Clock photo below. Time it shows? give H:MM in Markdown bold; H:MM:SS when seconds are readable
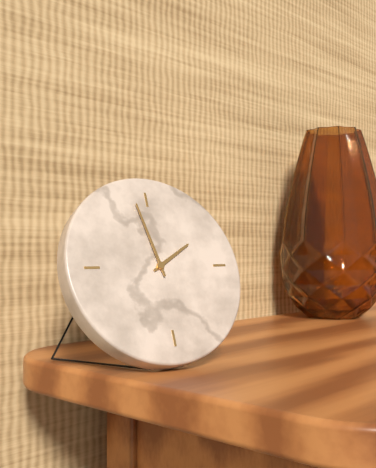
**1:58**
